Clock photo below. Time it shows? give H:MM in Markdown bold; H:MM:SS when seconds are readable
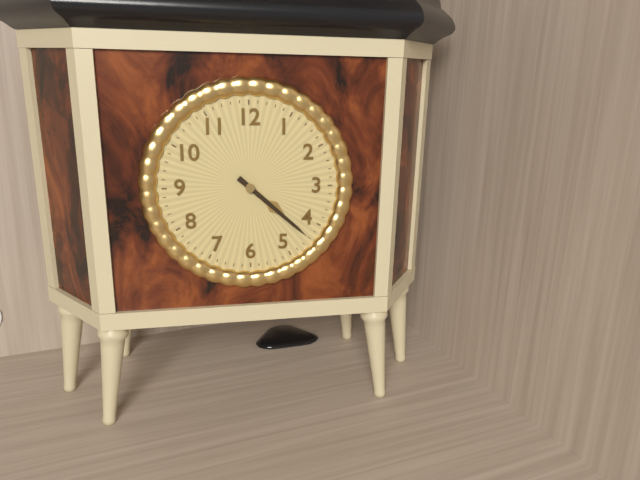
**4:22**
